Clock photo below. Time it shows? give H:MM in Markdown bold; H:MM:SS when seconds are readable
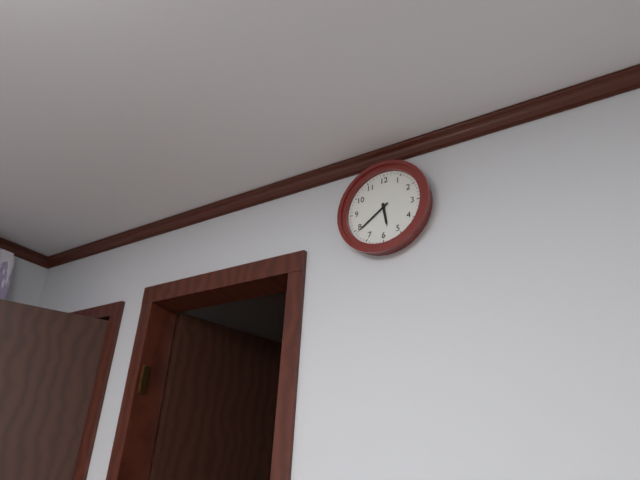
**5:39**
